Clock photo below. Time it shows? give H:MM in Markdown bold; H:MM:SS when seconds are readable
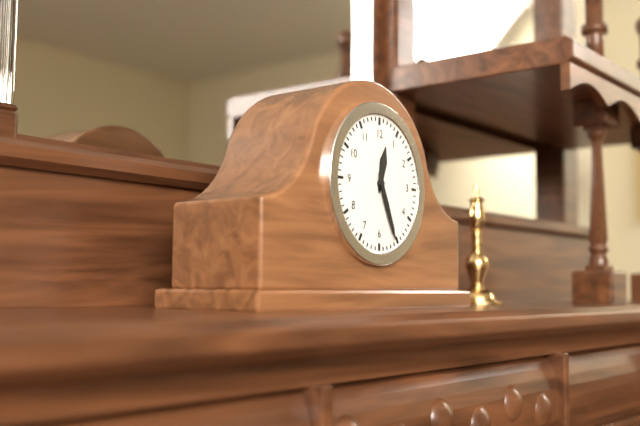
**12:26**
